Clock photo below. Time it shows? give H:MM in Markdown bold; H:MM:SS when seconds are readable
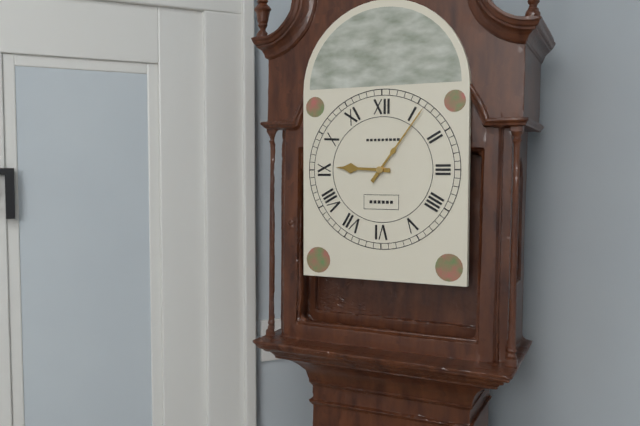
**9:06**
